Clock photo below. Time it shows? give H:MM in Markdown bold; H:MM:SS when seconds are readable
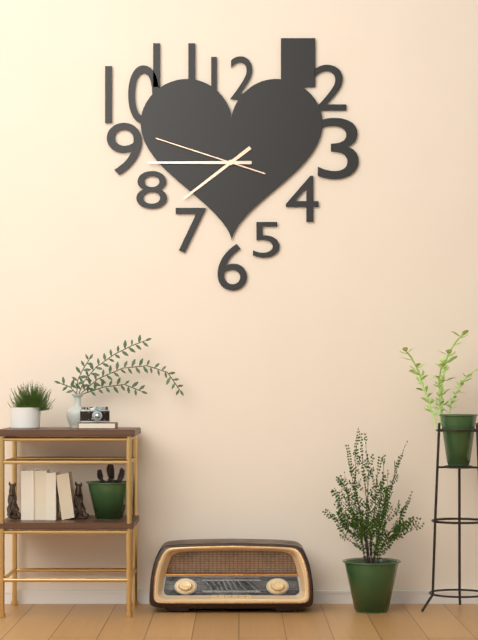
**7:45:48**
